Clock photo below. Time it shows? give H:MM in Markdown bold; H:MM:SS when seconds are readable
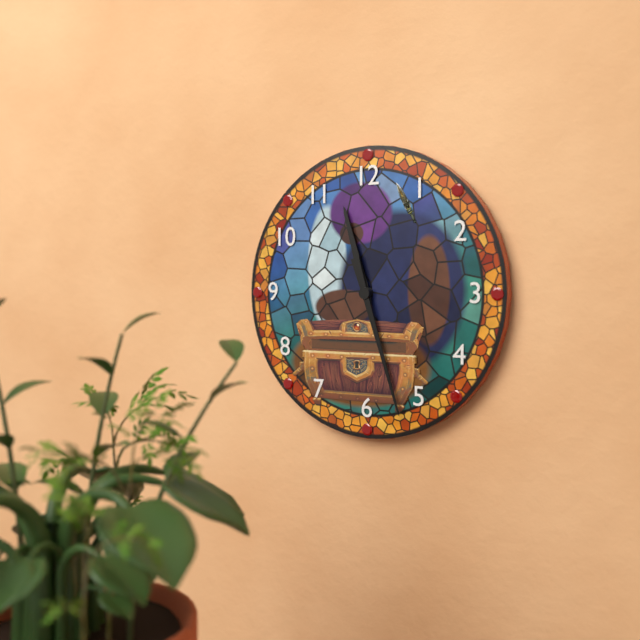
**11:27**
